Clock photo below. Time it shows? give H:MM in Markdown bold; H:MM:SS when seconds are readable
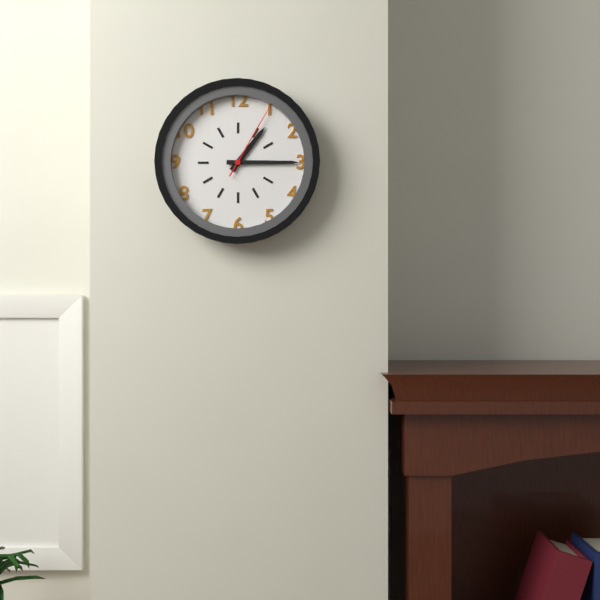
**1:15:05**
